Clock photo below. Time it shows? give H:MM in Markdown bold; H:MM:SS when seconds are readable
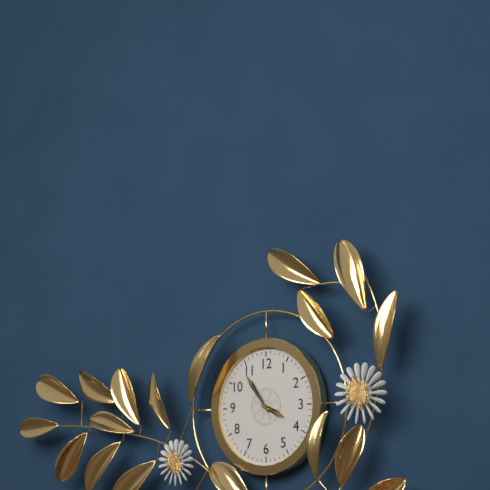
**3:54**
